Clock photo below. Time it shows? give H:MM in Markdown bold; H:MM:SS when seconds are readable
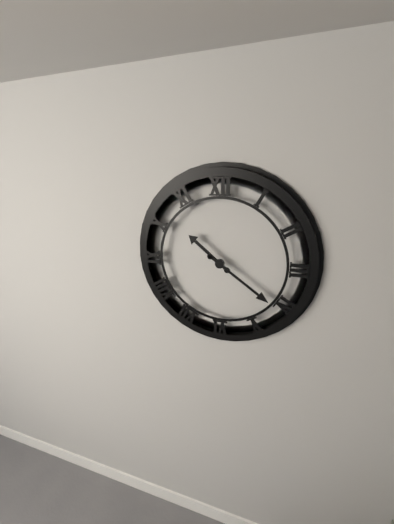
**10:21**
